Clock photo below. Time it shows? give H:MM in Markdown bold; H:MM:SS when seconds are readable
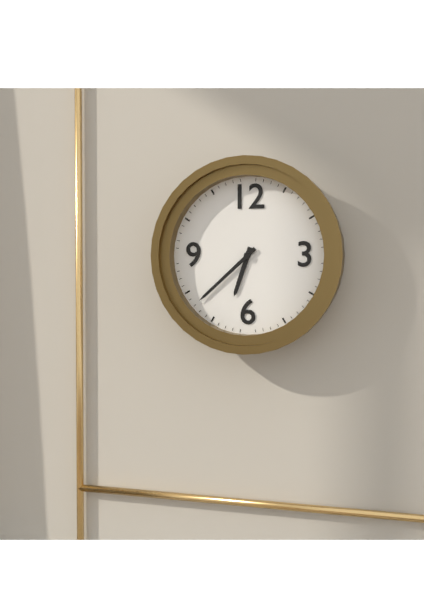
**6:38**
